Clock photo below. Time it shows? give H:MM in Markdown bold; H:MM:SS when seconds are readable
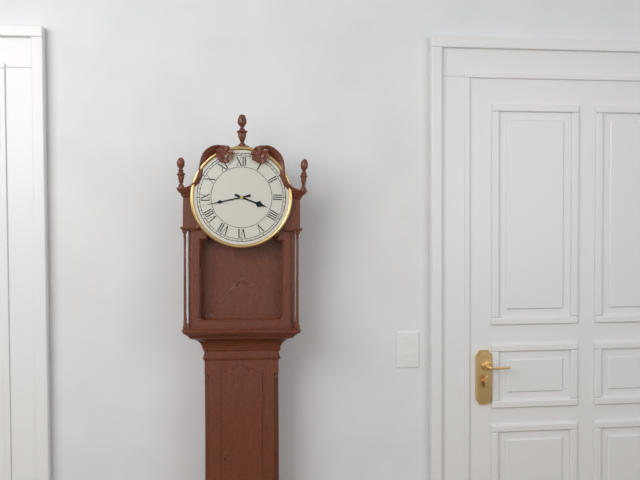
**3:43**
